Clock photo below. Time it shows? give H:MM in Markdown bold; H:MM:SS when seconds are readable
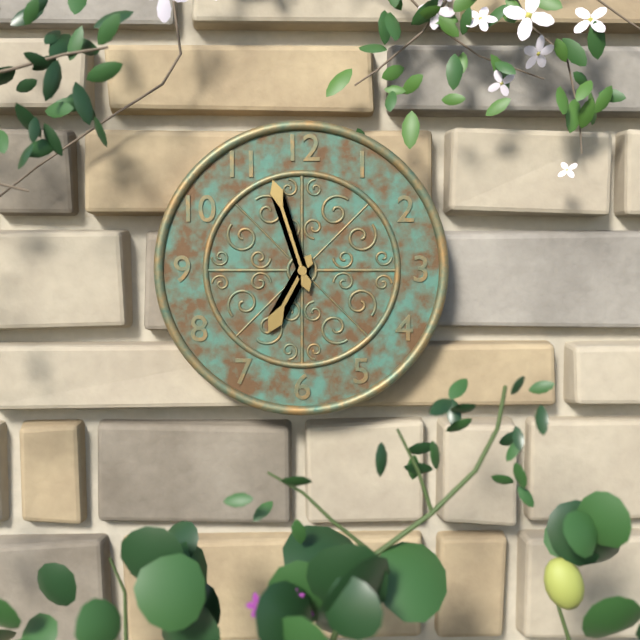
**6:57**
